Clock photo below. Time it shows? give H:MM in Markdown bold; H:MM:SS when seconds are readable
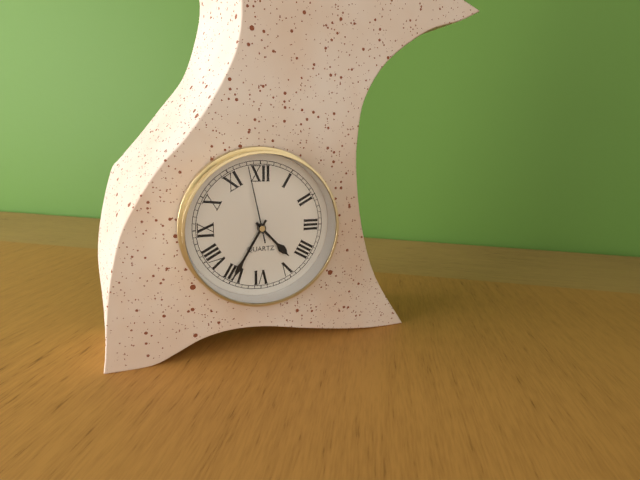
**4:35:58**
